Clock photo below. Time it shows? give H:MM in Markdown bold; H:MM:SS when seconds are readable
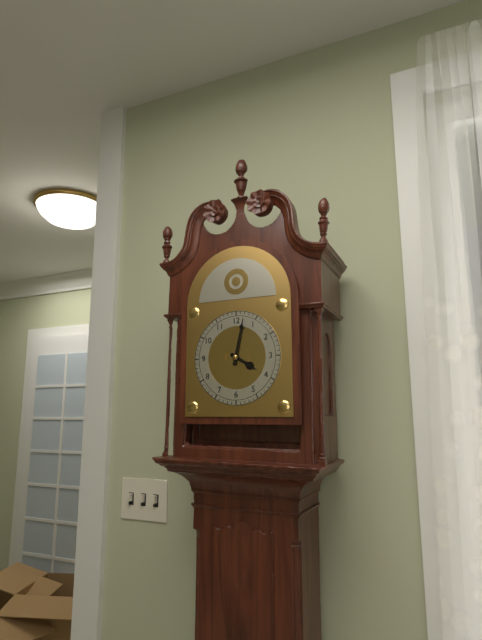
**4:02**
